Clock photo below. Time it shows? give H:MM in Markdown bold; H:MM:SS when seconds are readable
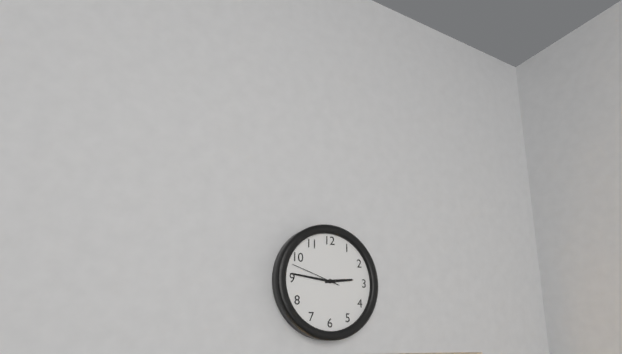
**2:46:48**
